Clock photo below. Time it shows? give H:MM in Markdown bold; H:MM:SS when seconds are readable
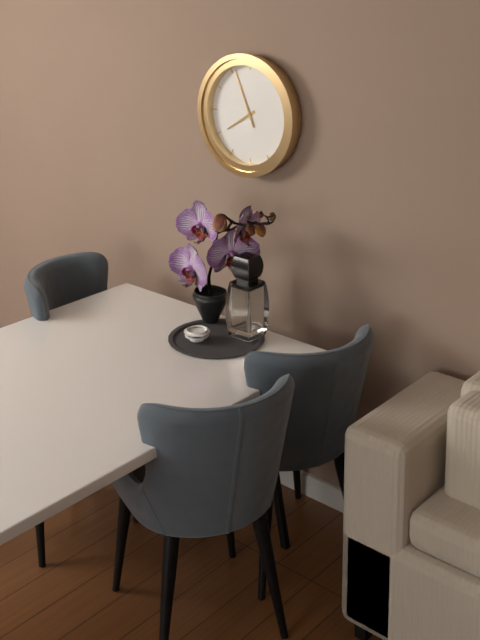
**7:56**
